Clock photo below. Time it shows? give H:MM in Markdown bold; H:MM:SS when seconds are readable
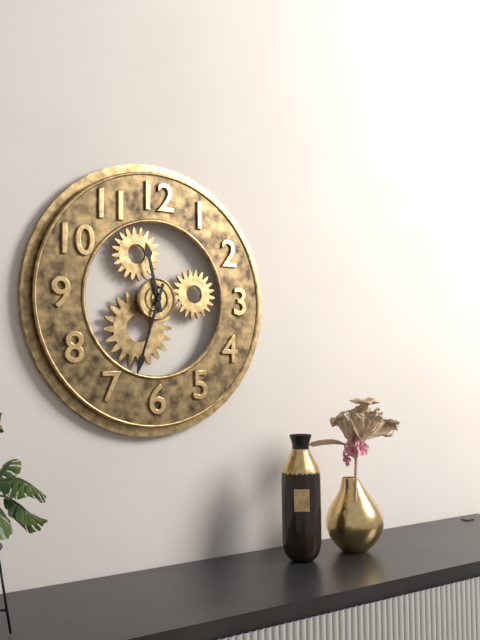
**11:33**
